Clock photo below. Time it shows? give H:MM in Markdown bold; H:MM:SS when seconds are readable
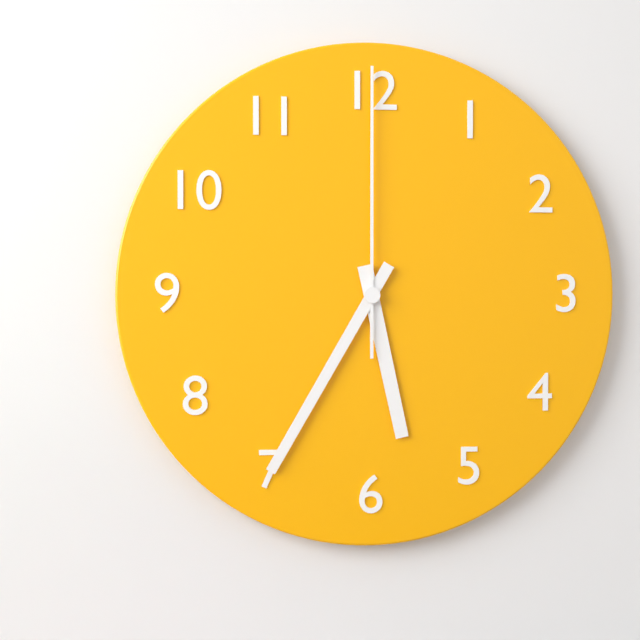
**5:35:00**
